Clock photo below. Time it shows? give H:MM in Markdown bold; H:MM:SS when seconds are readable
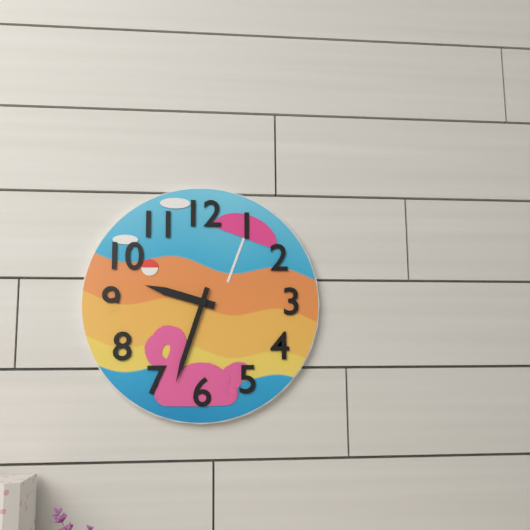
**9:33**
